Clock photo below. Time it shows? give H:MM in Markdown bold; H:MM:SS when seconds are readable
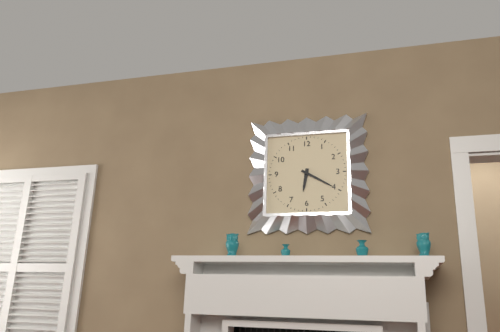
**6:20**
